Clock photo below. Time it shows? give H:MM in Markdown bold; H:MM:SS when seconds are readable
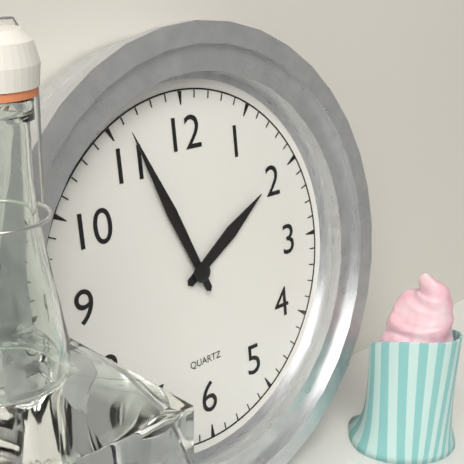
**1:56**
